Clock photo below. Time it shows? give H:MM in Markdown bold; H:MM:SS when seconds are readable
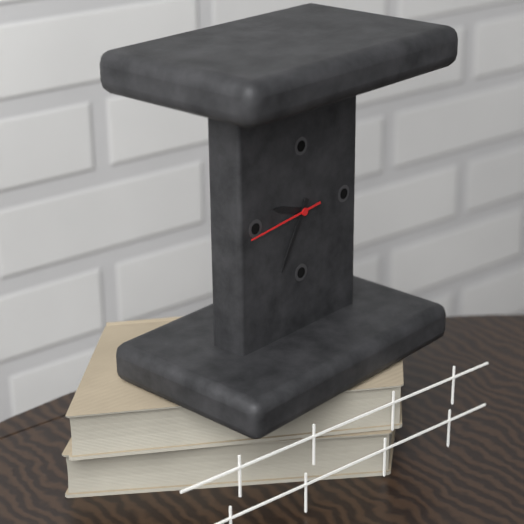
**9:35:44**
